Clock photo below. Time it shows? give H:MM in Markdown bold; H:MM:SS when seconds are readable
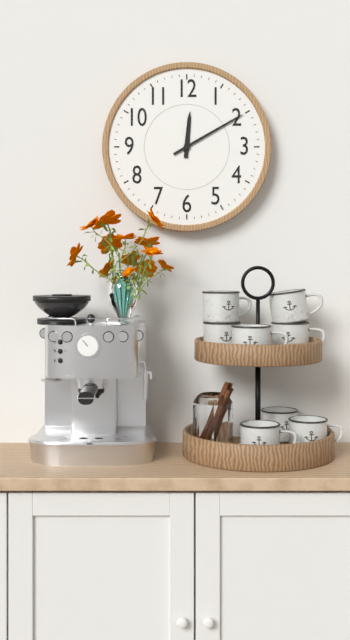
**12:10**
